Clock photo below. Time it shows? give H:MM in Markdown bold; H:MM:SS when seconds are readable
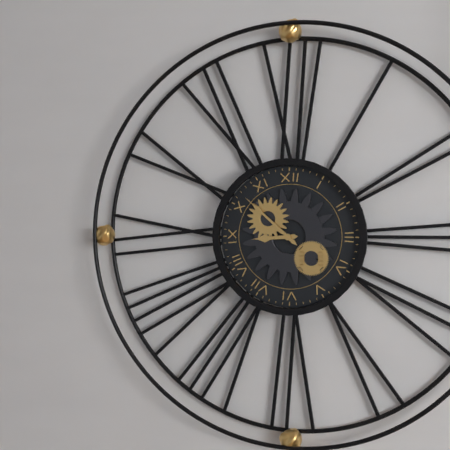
**8:52**
